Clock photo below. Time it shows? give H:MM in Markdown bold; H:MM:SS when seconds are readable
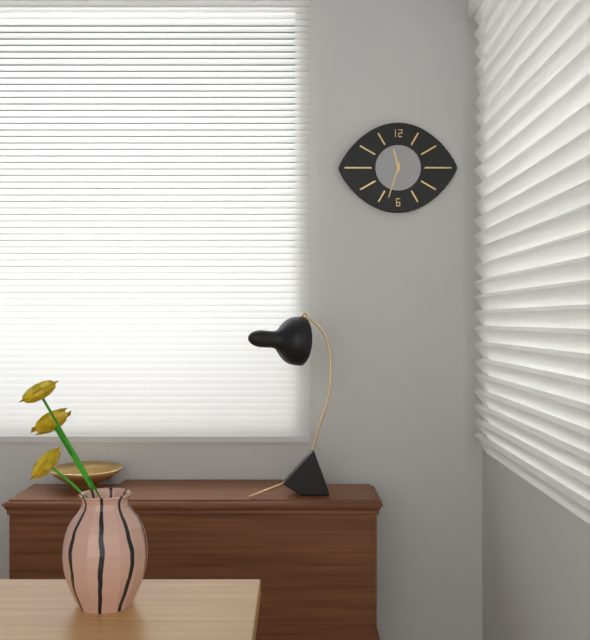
**11:33**
